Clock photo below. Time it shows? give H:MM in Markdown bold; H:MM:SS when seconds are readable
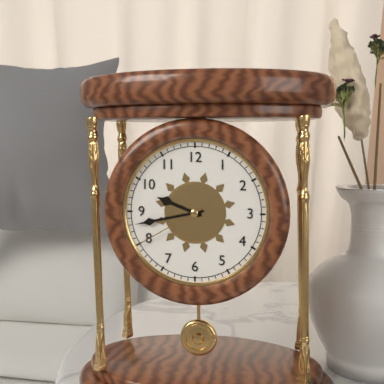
**9:43:40**
